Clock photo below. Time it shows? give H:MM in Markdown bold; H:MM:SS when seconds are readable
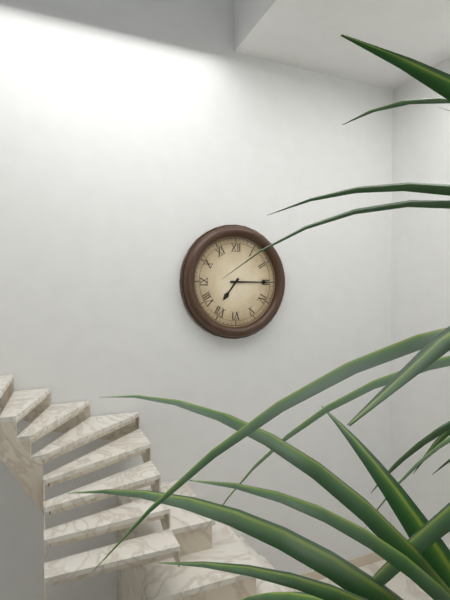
**7:15**
